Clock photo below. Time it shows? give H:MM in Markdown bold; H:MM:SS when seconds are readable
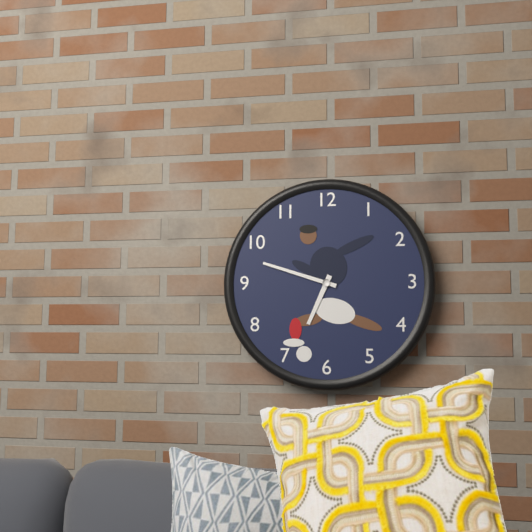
**6:48**
